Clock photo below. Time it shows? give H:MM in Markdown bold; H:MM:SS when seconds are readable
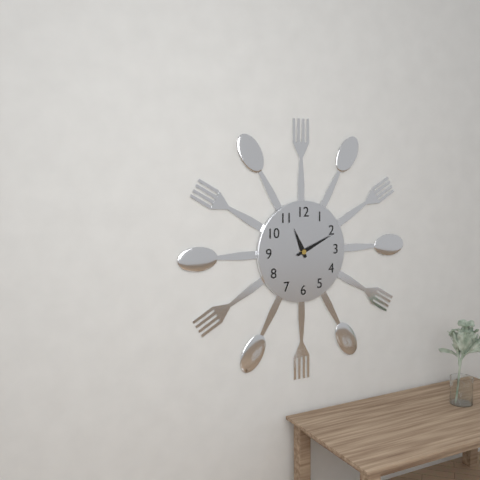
**11:11**
